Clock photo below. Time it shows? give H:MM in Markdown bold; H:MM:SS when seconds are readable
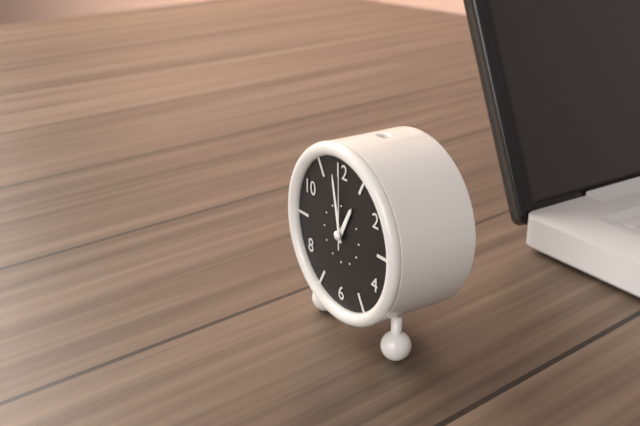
**12:58:00**
